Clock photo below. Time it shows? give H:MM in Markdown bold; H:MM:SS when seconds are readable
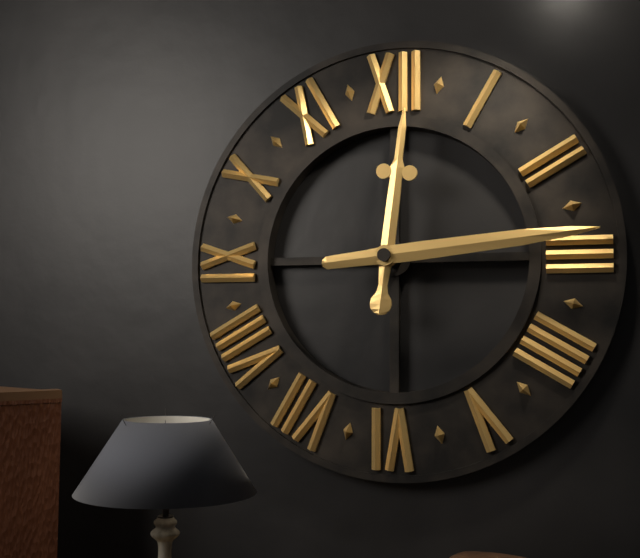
**12:14**
